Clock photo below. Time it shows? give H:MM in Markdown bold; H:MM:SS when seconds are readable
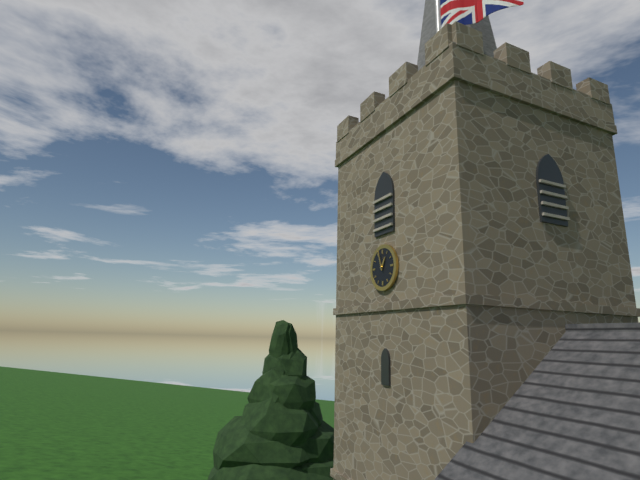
**12:57**
